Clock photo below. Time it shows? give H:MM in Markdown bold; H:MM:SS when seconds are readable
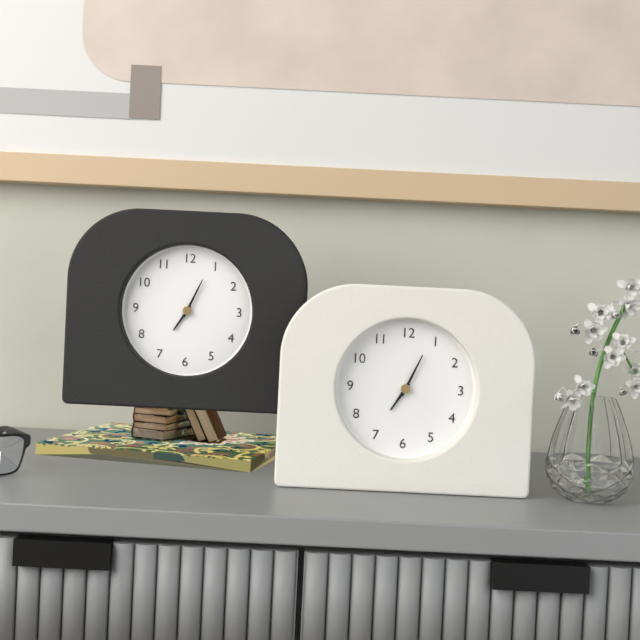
**7:04**
